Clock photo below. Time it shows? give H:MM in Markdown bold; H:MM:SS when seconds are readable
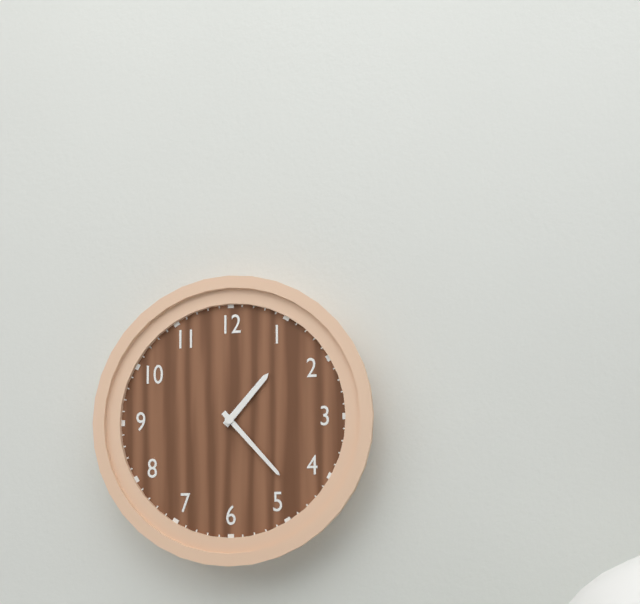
**1:23**
